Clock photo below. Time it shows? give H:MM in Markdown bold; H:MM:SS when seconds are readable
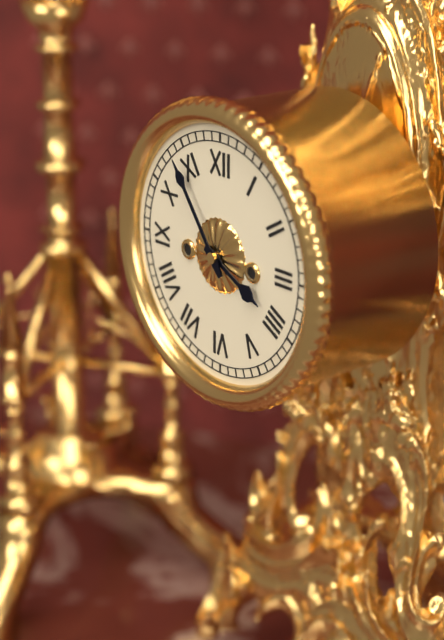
**3:54**
